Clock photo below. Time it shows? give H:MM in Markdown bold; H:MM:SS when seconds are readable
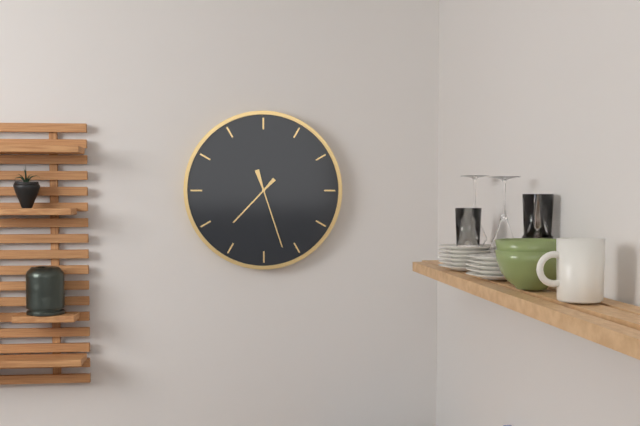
**7:27**
